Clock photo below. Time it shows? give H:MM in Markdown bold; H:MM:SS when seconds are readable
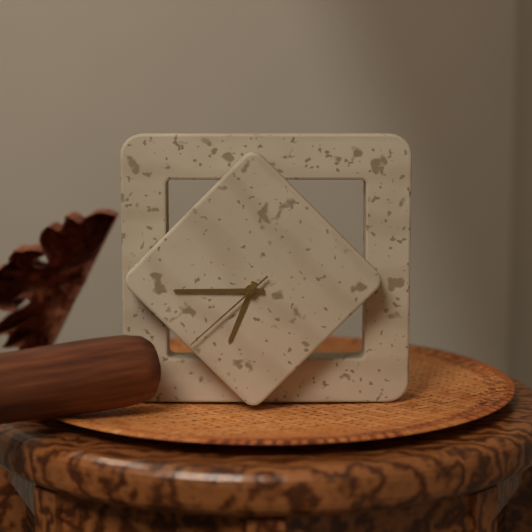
**6:45:38**
